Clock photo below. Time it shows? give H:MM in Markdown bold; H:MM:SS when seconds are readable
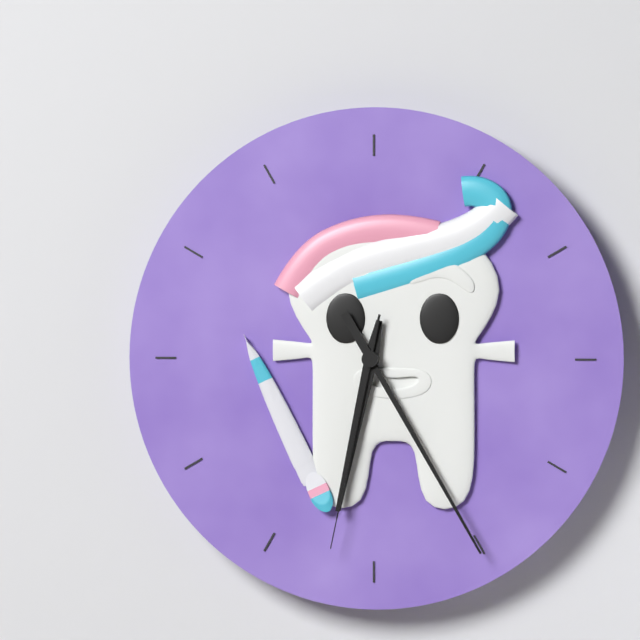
**6:25:32**
